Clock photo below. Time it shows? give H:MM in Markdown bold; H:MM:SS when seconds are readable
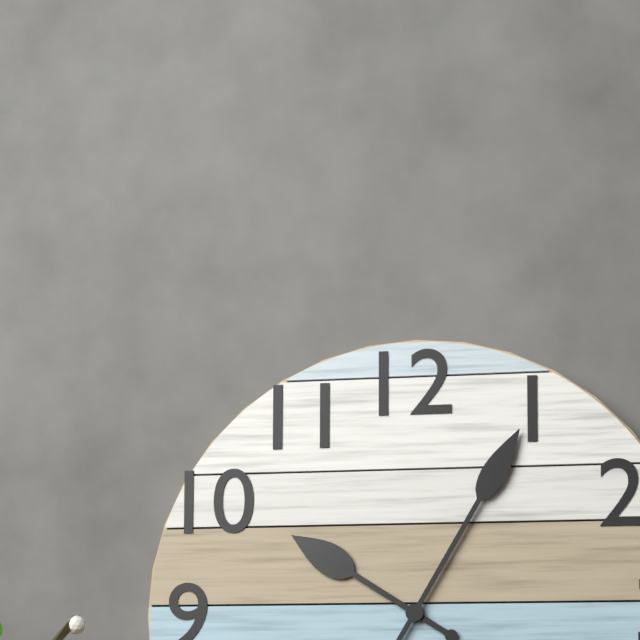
**10:05**
